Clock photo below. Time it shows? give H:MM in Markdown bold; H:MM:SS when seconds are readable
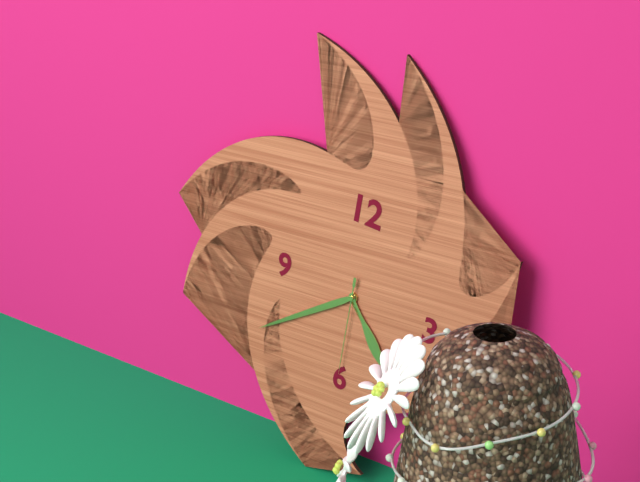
**4:39:30**
